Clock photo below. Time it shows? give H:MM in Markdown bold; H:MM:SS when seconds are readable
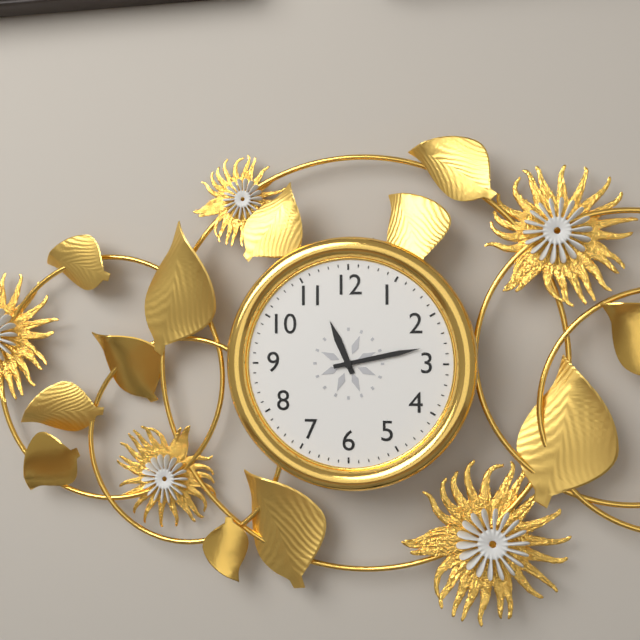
**11:13**
